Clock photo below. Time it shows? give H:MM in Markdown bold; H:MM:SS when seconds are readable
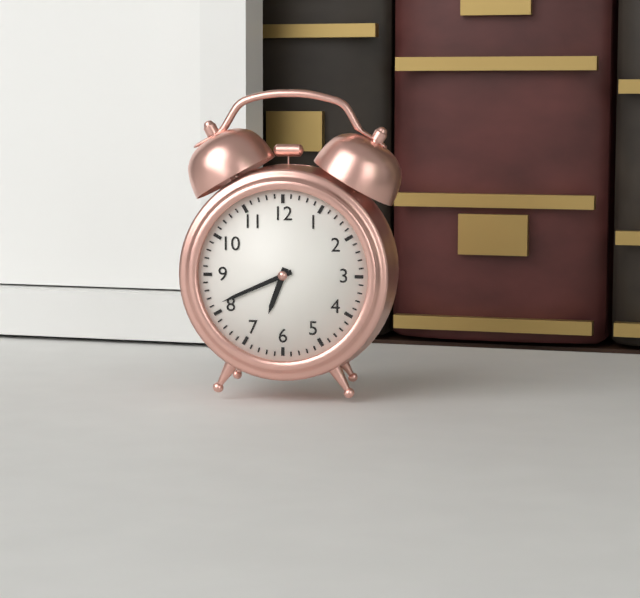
**6:41**
